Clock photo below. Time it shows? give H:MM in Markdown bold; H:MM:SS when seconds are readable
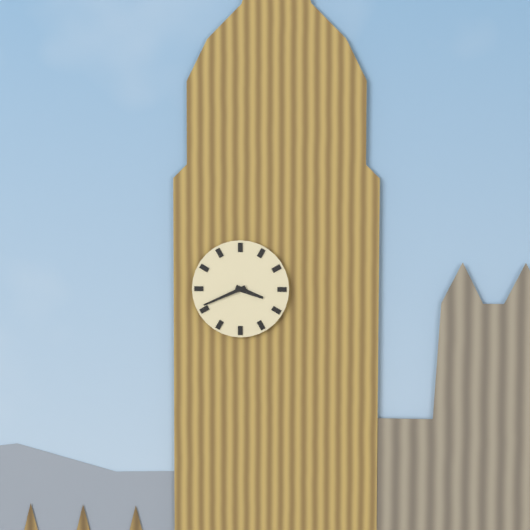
**3:41**
